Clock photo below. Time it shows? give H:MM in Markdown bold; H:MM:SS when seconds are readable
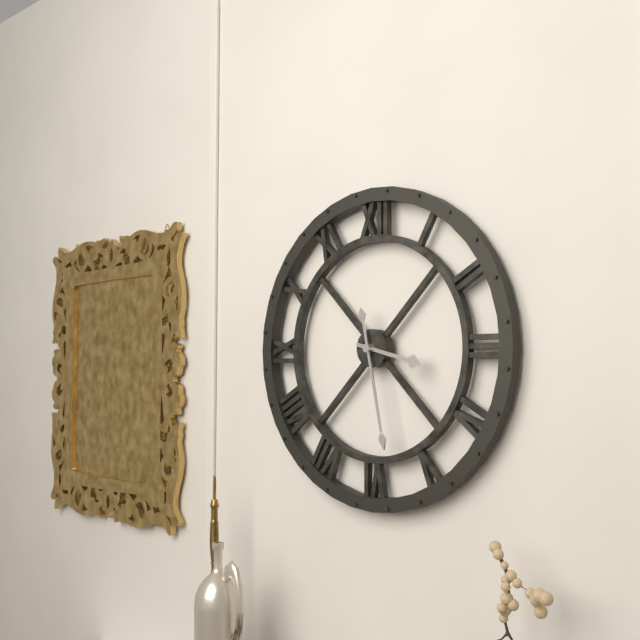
**3:28**
